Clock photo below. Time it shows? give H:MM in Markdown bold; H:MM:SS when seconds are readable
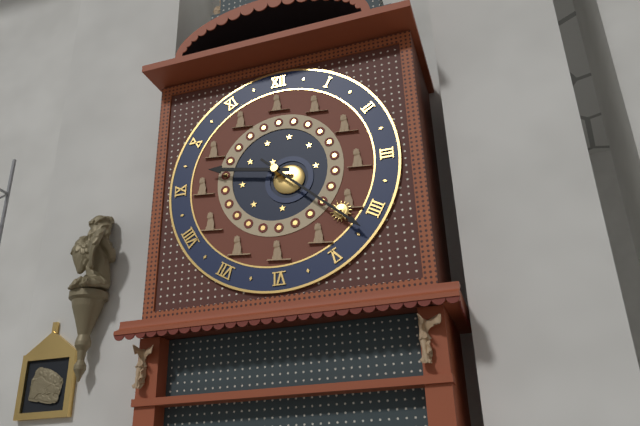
**9:22**
